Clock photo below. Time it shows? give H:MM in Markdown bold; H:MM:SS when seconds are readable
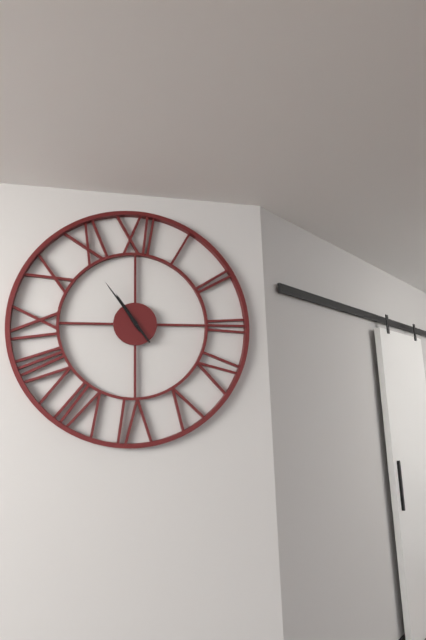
**10:54**
